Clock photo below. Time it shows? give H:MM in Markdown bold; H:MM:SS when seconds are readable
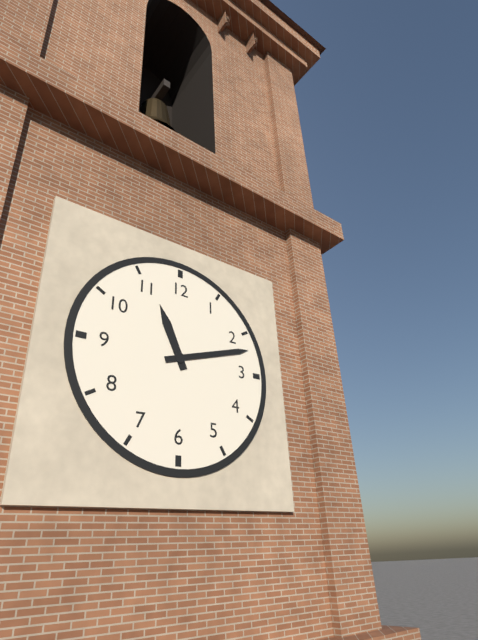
**11:12**
